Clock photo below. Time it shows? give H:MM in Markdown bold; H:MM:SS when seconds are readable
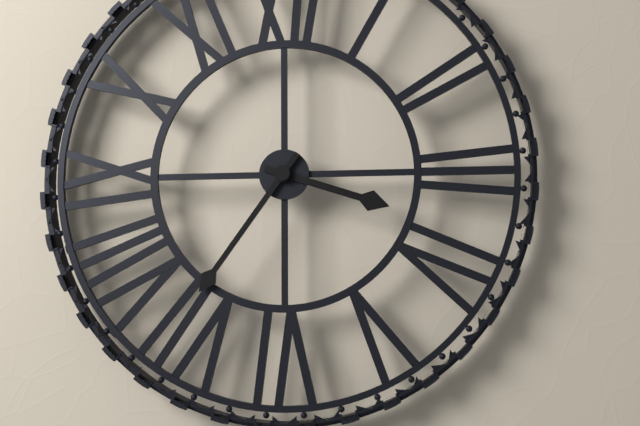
**3:36**
